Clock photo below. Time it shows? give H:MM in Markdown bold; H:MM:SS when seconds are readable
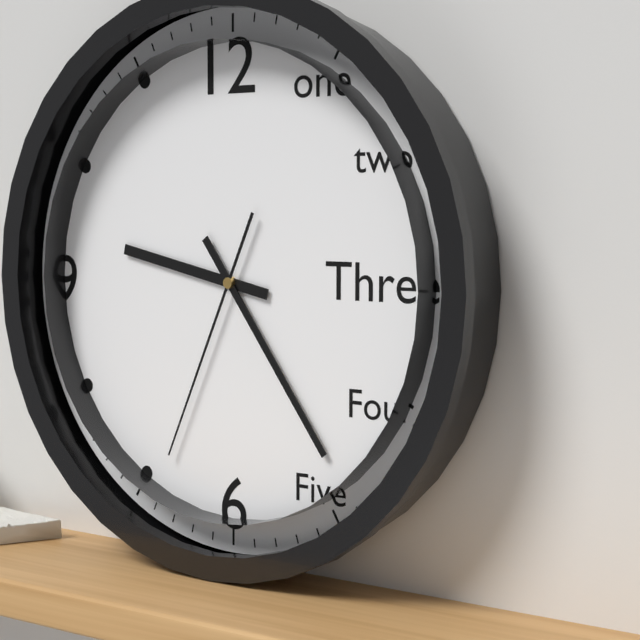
**9:24:34**
